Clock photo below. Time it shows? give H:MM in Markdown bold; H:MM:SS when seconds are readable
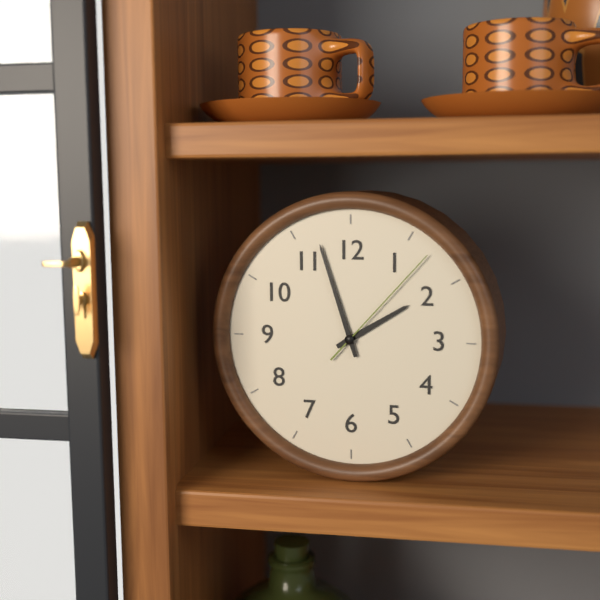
**1:57:07**
